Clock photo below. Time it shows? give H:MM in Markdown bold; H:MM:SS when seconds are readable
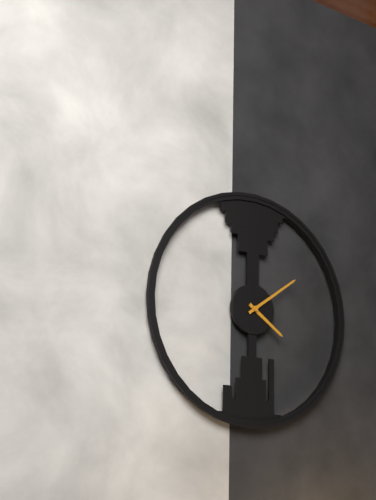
**4:09**
